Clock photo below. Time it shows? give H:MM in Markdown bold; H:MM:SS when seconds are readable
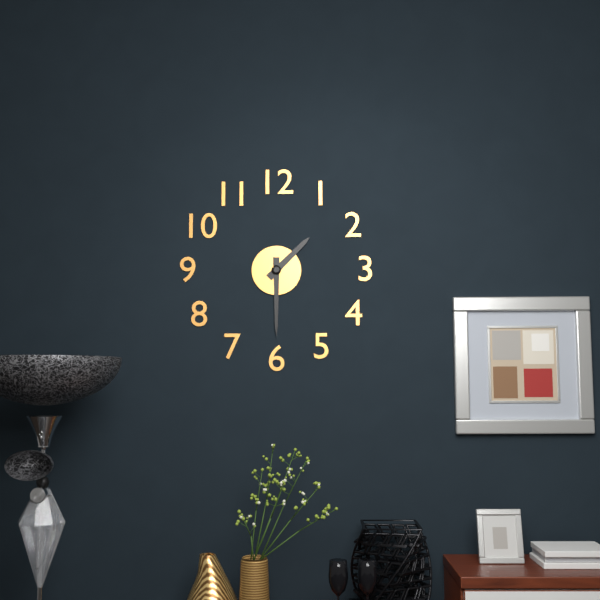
**1:30**
